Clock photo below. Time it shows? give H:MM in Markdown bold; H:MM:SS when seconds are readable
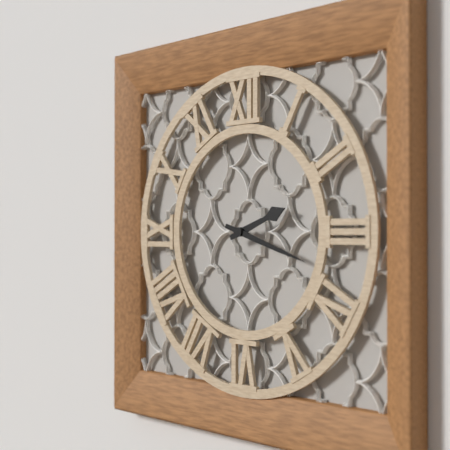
**2:18**
